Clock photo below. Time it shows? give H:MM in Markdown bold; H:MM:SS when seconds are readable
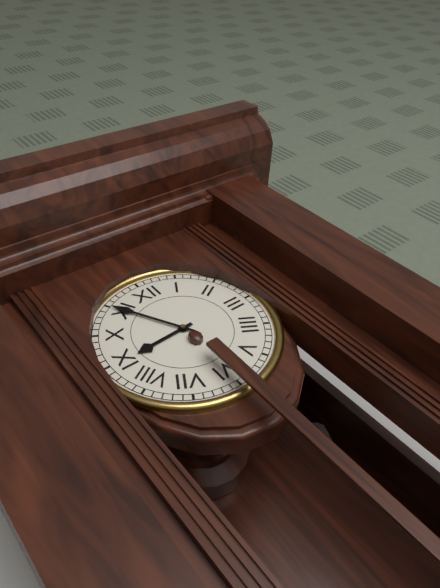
**8:55**
